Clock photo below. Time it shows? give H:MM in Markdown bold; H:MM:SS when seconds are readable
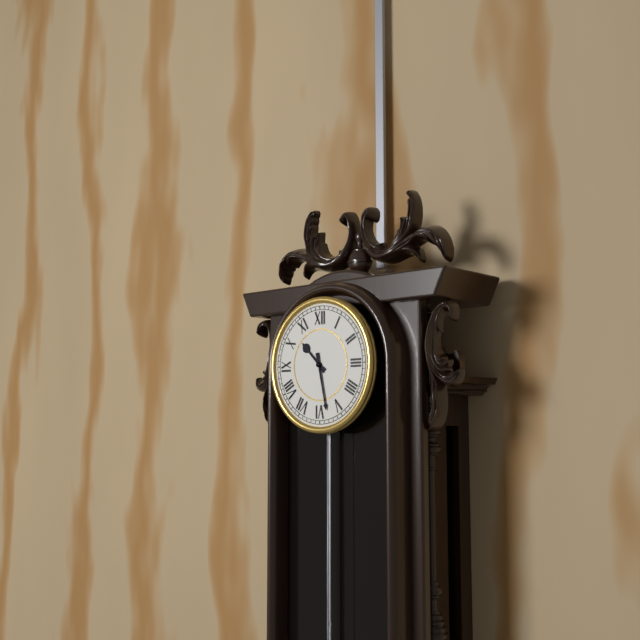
**10:28**
